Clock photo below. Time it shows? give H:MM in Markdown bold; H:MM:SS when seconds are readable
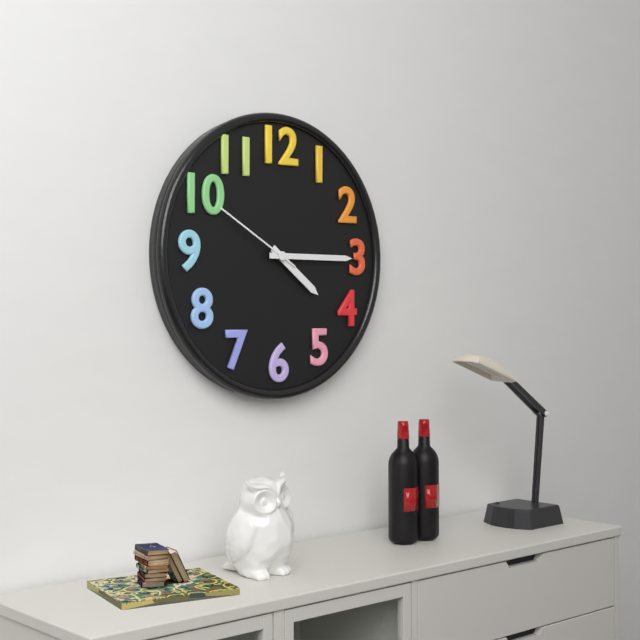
**4:15:50**
